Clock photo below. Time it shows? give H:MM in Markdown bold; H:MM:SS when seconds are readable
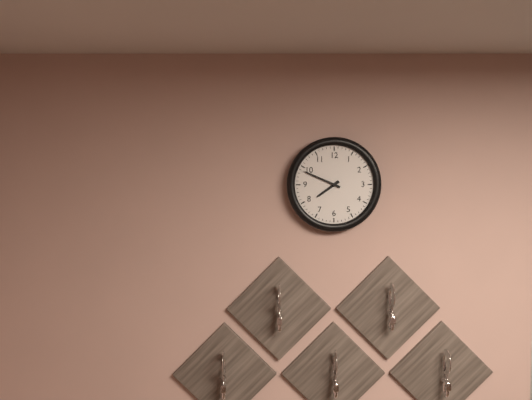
**7:49**
